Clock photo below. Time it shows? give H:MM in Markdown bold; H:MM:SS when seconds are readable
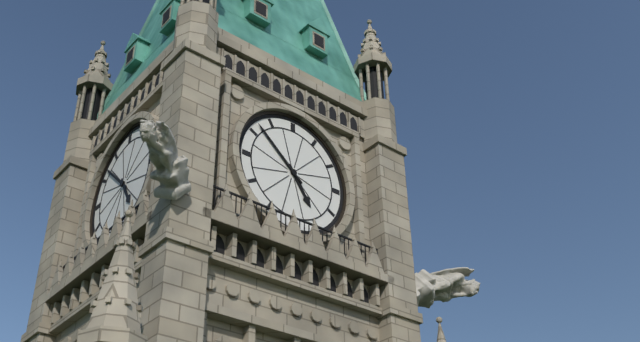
**4:52**
